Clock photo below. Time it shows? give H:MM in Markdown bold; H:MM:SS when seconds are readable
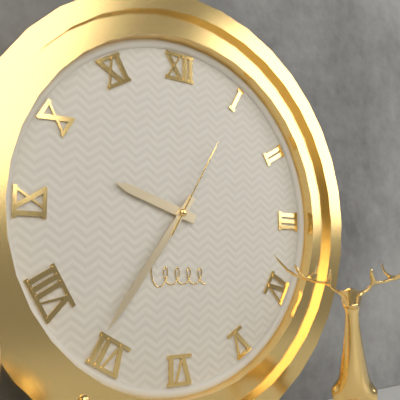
**9:36:05**
